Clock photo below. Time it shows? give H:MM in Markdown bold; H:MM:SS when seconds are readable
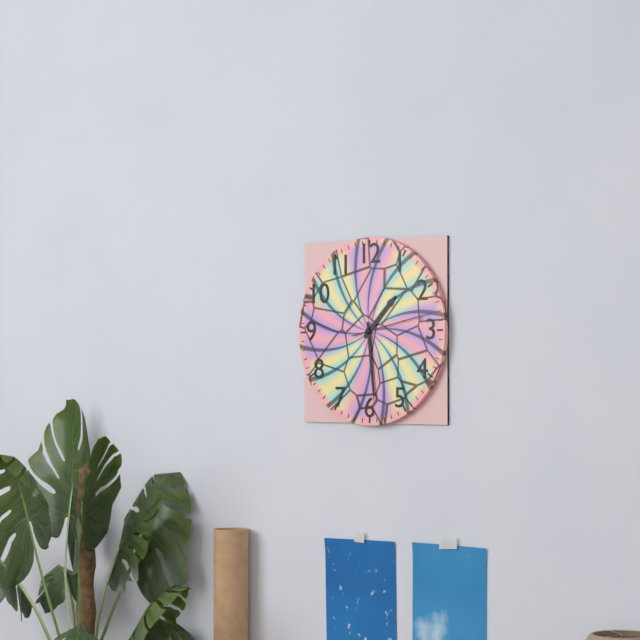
**1:29:13**
